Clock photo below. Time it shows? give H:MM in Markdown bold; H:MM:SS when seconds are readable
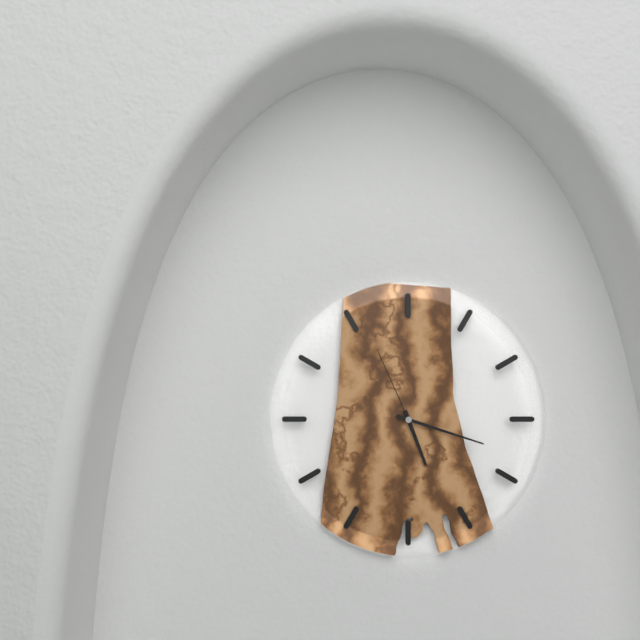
**5:18:56**
